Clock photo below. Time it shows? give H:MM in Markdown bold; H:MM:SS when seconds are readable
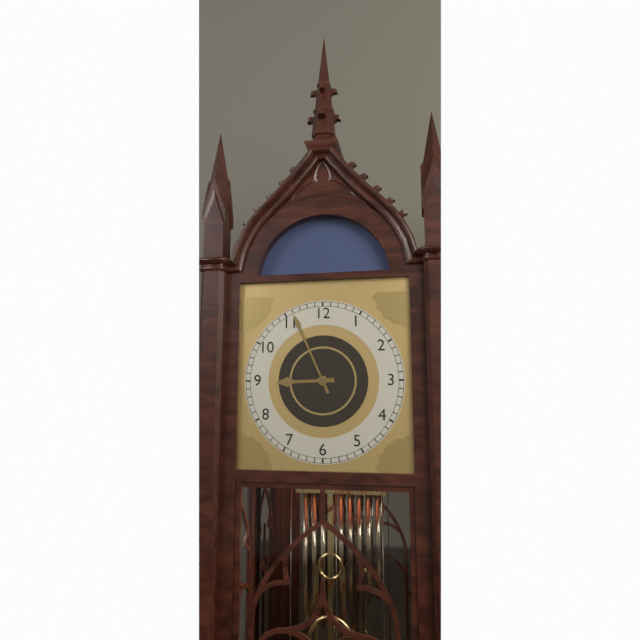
**8:56**
